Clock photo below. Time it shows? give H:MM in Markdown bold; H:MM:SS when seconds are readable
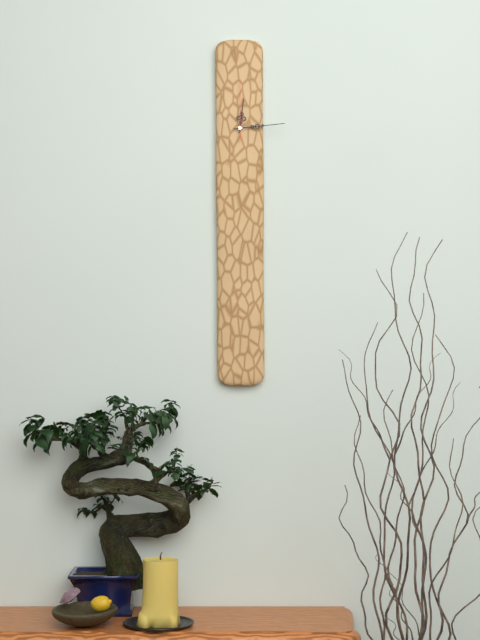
**12:14:00**
